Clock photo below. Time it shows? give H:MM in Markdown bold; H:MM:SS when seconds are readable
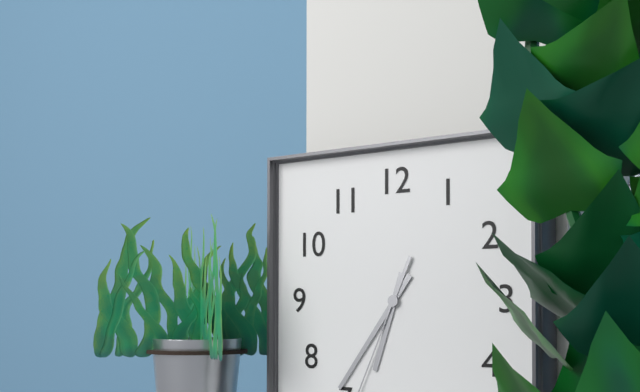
**6:36**
